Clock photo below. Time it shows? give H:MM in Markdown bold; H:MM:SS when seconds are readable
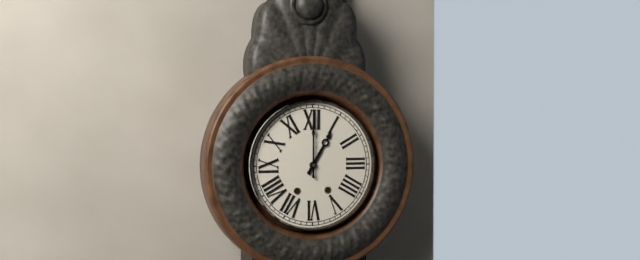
**1:00**
